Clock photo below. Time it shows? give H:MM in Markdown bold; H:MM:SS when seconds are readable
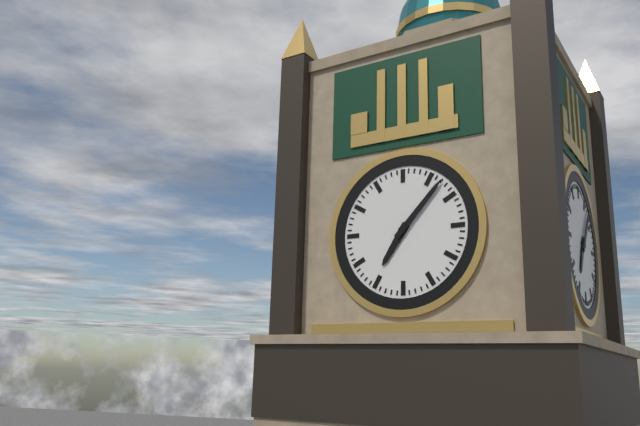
**7:07**
